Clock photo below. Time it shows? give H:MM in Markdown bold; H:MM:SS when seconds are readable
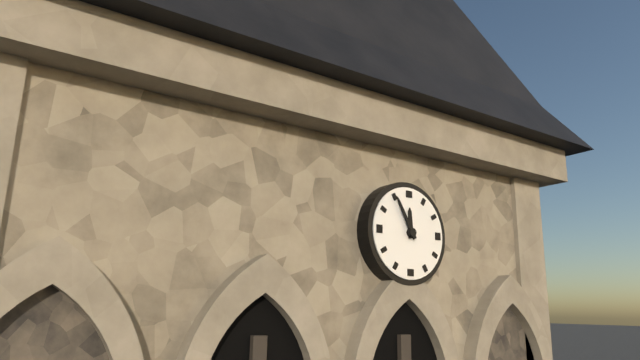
**11:55**
